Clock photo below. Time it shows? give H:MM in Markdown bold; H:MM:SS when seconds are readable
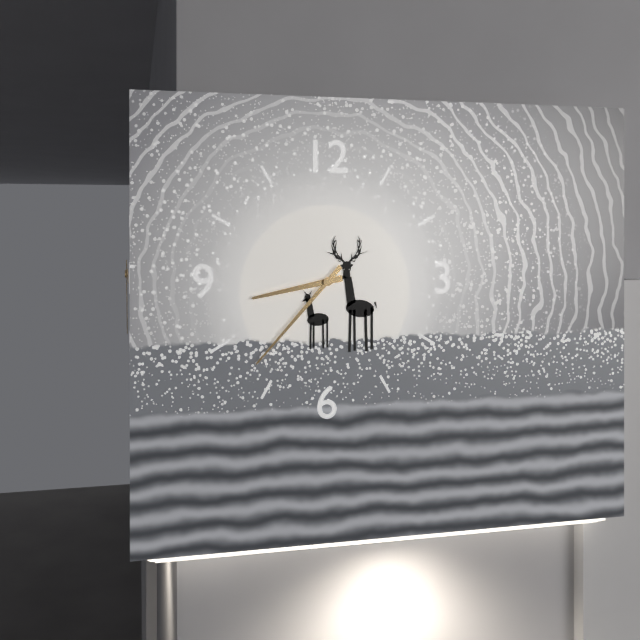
**8:37**
